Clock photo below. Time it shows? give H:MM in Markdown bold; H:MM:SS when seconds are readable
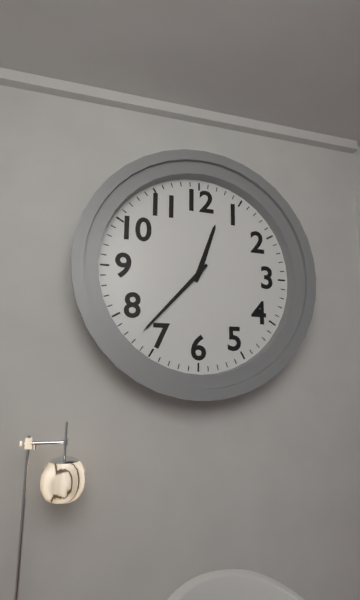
**12:37**
